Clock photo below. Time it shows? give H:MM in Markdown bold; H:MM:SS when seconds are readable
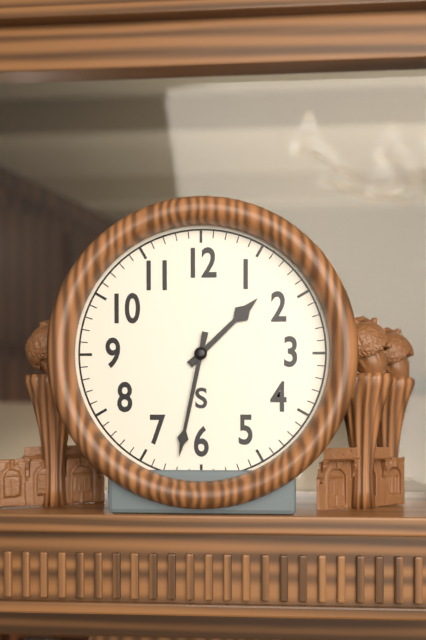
**1:32**
